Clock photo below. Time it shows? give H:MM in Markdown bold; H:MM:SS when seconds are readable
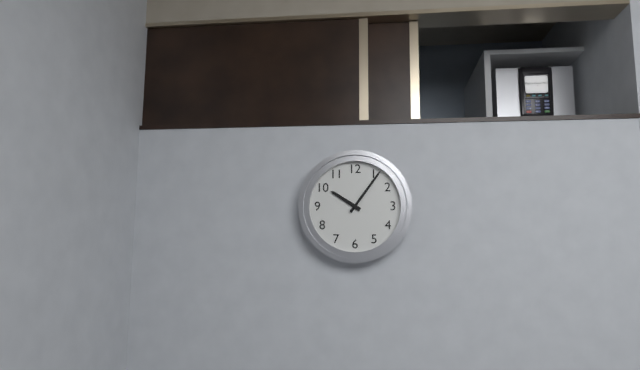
**10:06**
